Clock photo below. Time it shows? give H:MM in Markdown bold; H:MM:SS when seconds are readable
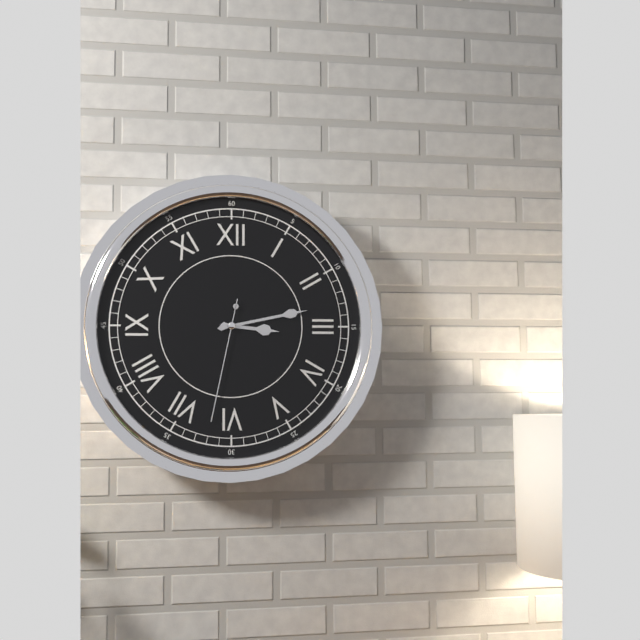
**3:13:32**
